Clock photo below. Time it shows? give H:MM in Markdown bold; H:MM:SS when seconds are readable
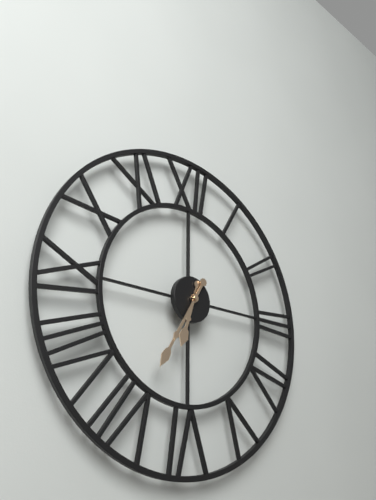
**6:35**
